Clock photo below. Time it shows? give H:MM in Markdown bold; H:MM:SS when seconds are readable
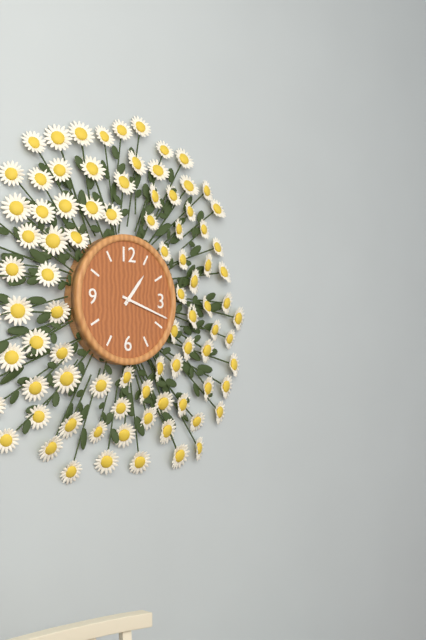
**1:18**
